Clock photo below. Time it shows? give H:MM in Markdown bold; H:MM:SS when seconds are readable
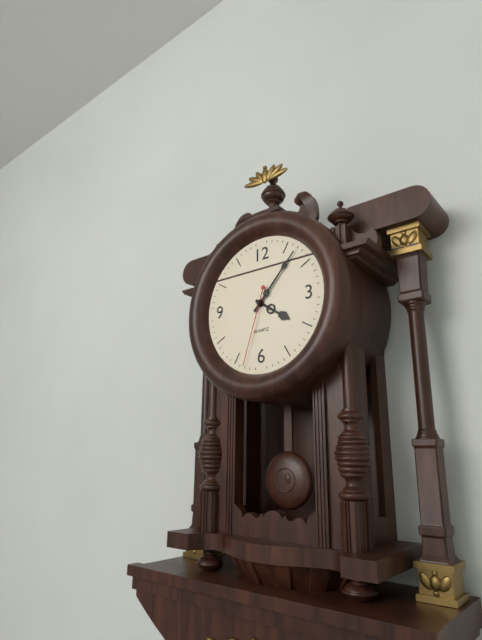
**4:07:33**
